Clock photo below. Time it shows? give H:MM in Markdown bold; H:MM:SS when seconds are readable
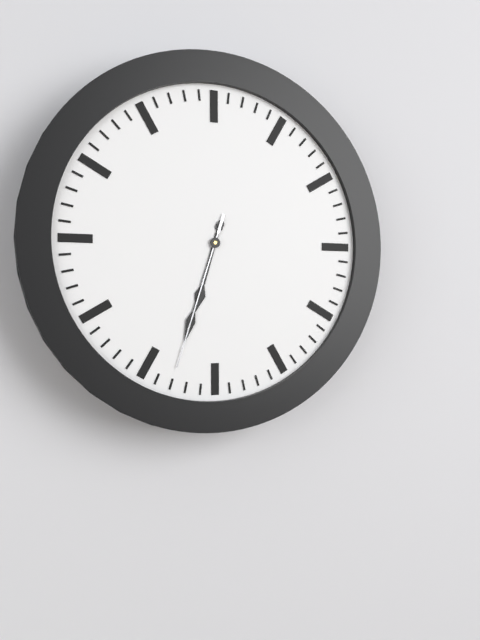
**6:33:33**
